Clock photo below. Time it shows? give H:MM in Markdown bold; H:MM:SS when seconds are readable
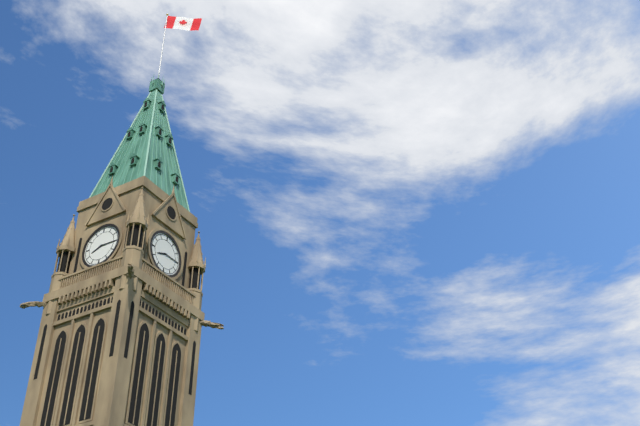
**8:15**
